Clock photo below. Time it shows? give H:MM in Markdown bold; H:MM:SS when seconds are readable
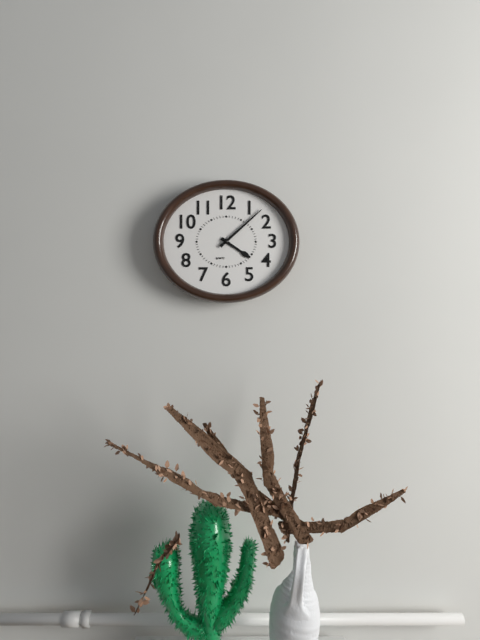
**4:08**
